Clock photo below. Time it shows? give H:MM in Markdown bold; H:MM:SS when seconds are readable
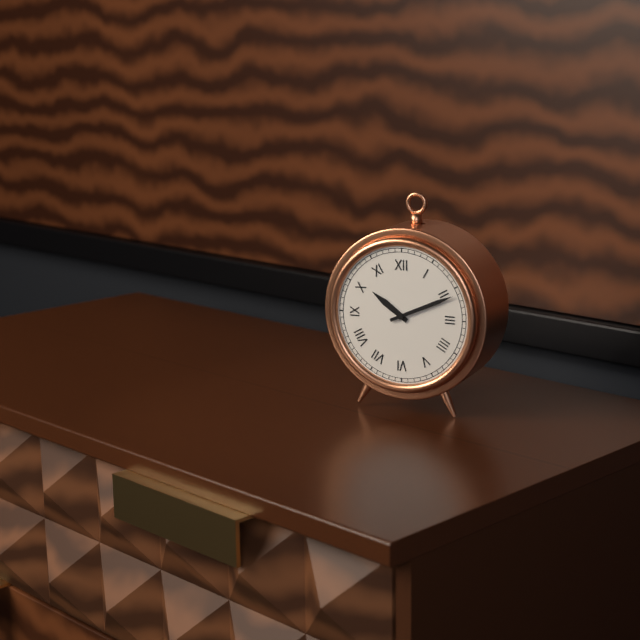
**10:11**
